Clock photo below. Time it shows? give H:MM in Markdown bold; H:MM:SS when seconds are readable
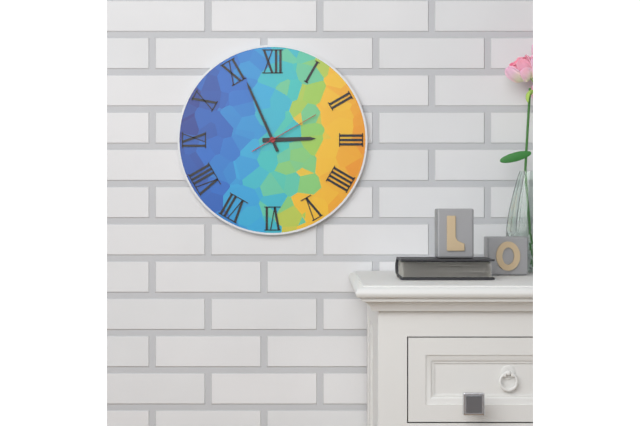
**2:56:10**
